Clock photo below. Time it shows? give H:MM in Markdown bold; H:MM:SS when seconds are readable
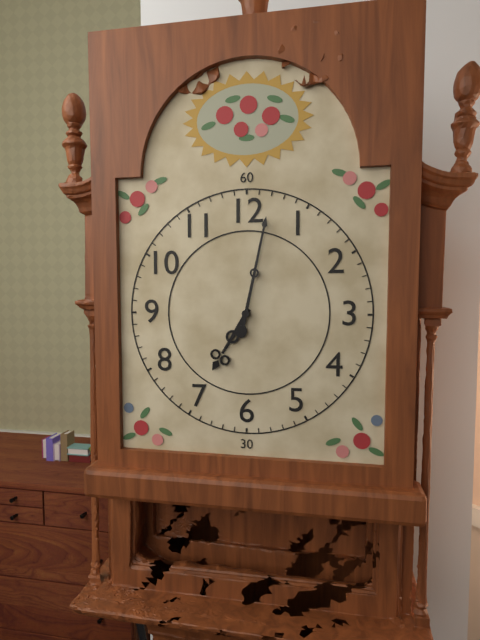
**7:02**
